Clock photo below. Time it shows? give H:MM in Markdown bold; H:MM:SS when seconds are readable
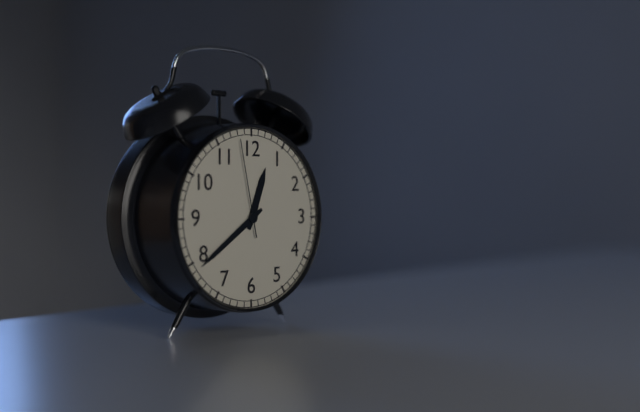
**12:39:58**
